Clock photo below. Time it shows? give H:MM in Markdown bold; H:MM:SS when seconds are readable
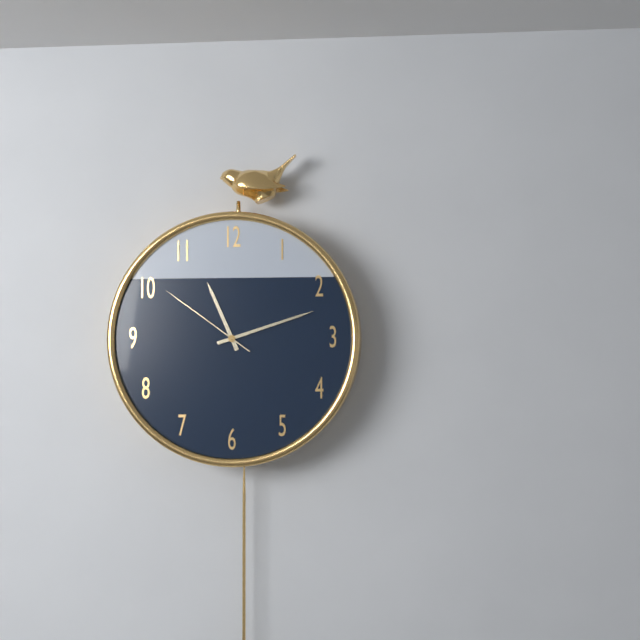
**11:12:51**
